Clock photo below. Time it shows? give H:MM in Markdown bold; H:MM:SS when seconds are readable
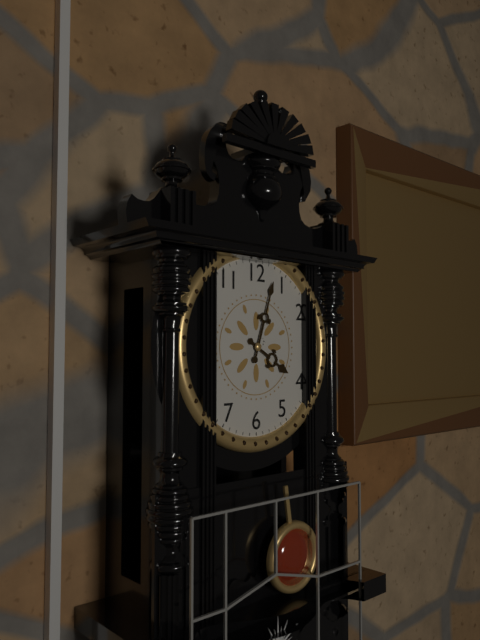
**4:03**
